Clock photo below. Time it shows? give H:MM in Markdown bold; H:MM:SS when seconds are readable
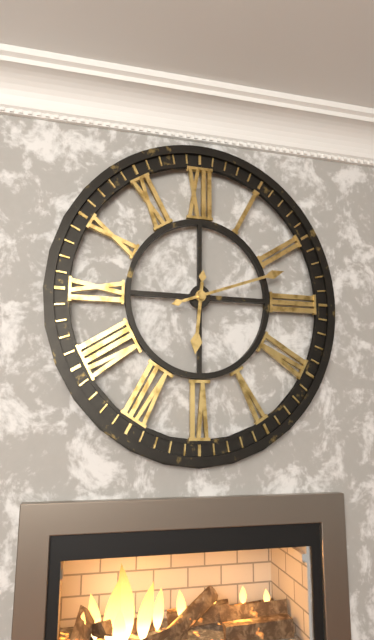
**6:12**
